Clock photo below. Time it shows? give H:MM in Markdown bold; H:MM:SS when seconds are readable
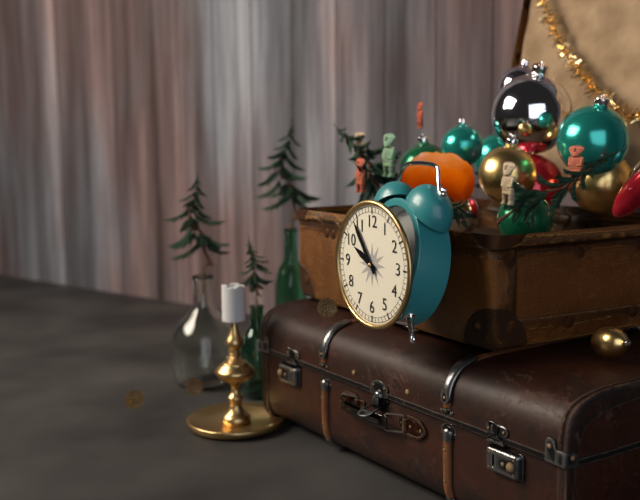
**9:54**
